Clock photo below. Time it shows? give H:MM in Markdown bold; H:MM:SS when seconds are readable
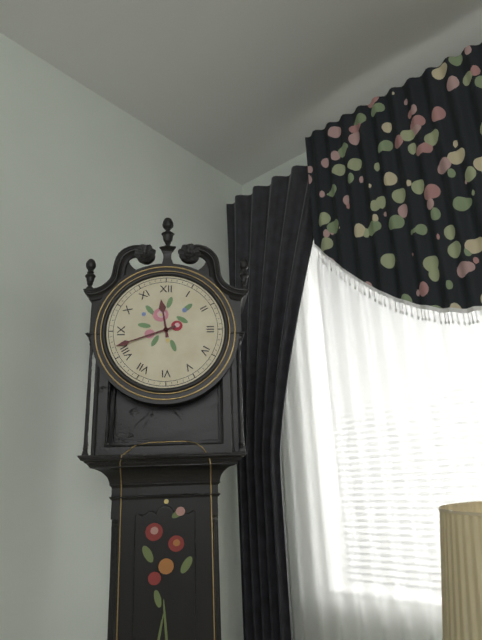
**11:42**
